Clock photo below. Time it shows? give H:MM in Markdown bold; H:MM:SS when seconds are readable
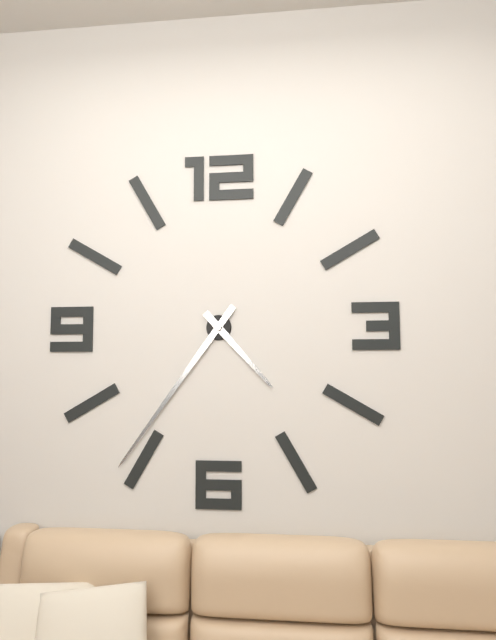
**4:36**
